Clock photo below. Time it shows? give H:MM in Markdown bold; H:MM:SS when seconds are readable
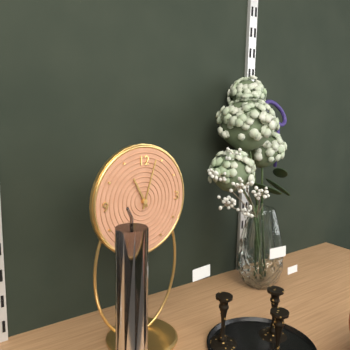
**11:03**
